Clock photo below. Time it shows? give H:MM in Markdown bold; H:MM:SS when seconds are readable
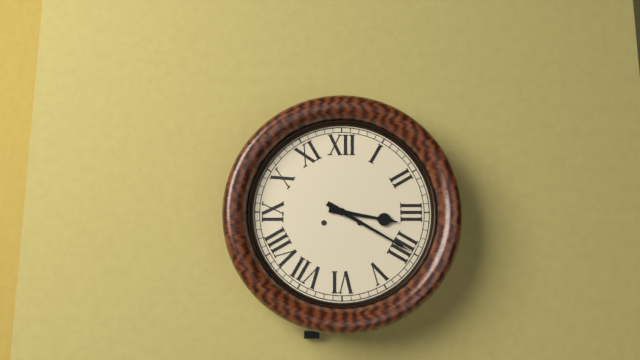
**3:20**
